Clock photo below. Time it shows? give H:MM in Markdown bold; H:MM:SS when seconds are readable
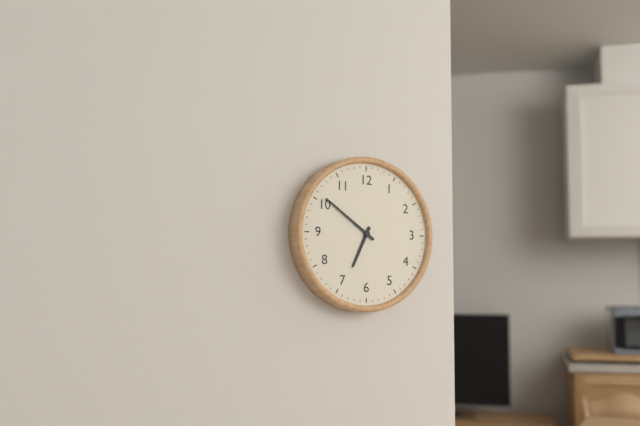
**6:51**
